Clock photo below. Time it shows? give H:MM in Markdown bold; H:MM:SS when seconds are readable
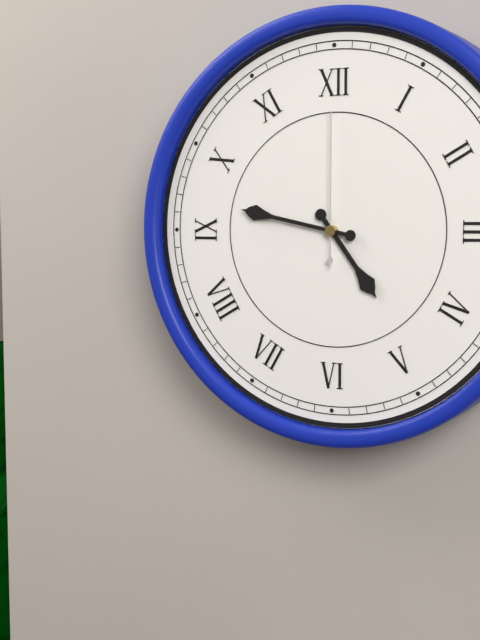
**4:47:00**
